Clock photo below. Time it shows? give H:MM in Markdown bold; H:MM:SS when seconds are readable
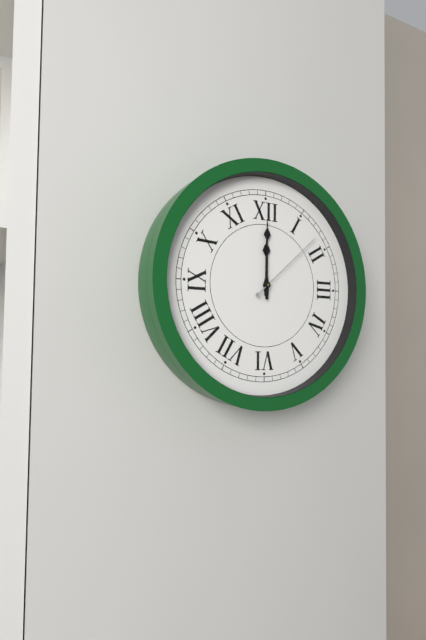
**12:00:08**
